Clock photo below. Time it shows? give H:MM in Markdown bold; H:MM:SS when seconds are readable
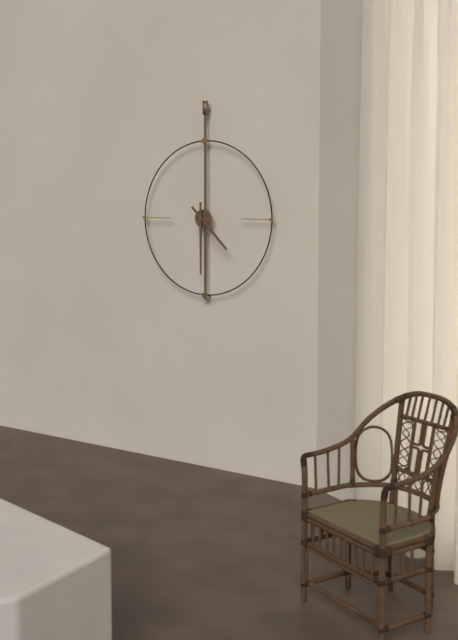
**4:30**
